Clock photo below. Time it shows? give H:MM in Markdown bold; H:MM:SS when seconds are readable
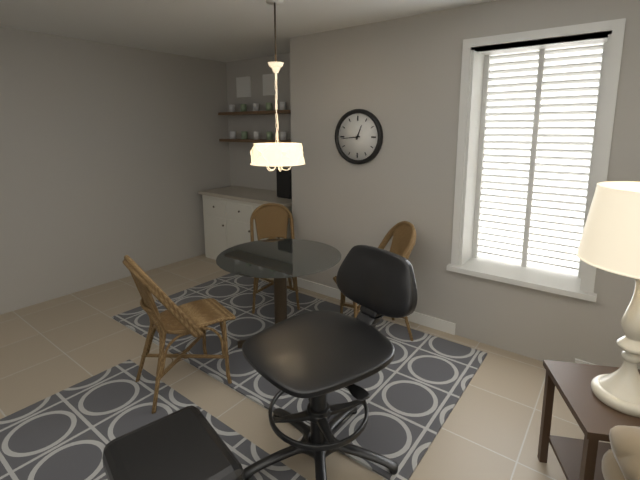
**12:44**
